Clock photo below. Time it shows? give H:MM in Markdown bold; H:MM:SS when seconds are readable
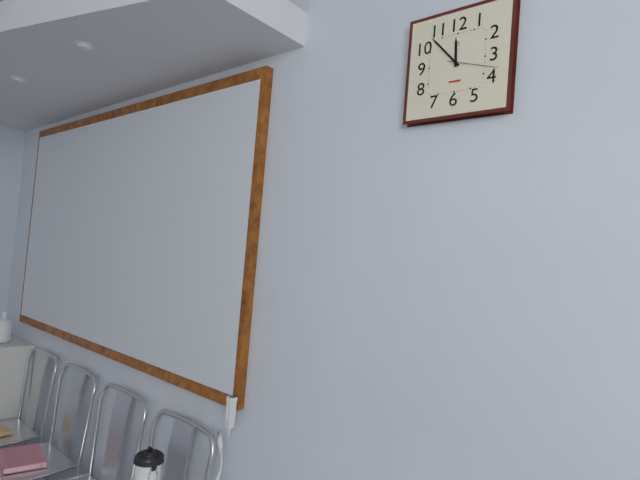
**11:53:18**
